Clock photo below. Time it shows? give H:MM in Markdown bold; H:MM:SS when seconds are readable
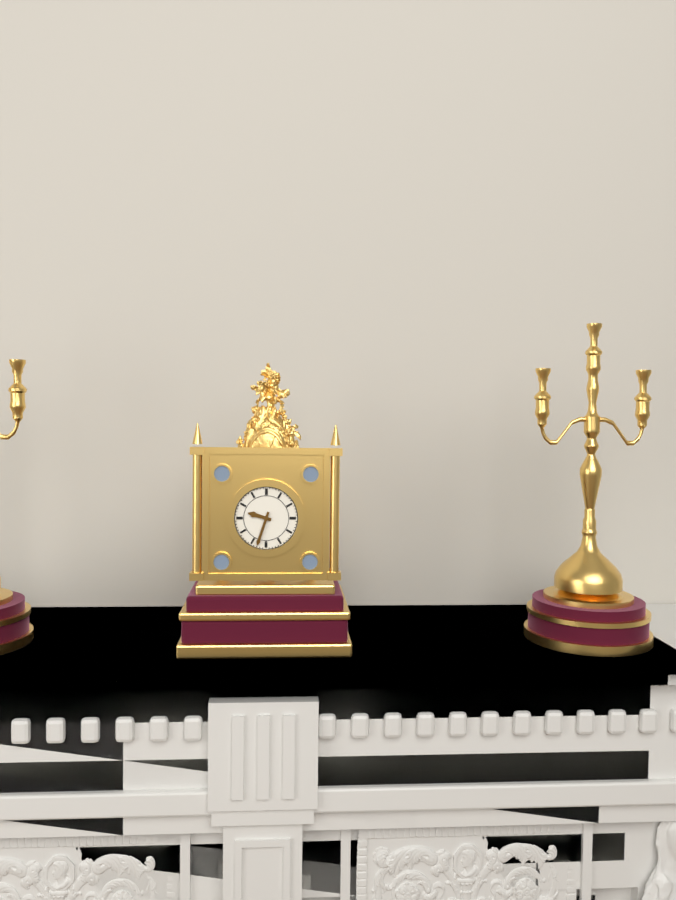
**9:33**
